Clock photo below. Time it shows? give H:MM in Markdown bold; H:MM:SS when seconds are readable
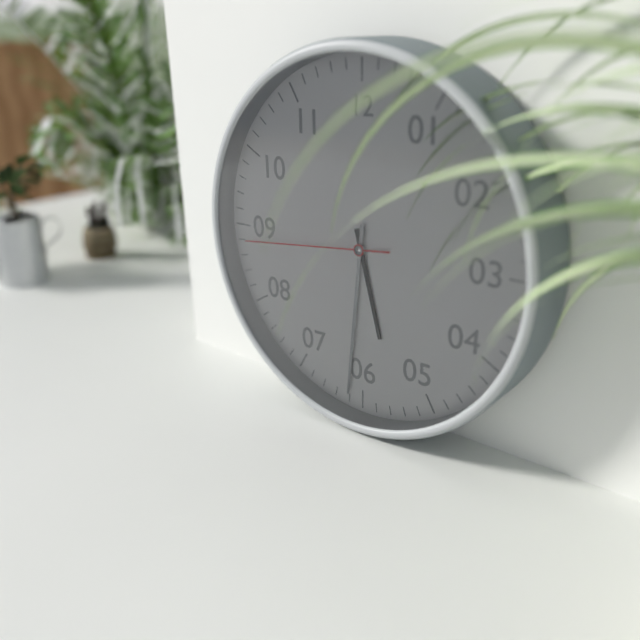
**5:31:44**
